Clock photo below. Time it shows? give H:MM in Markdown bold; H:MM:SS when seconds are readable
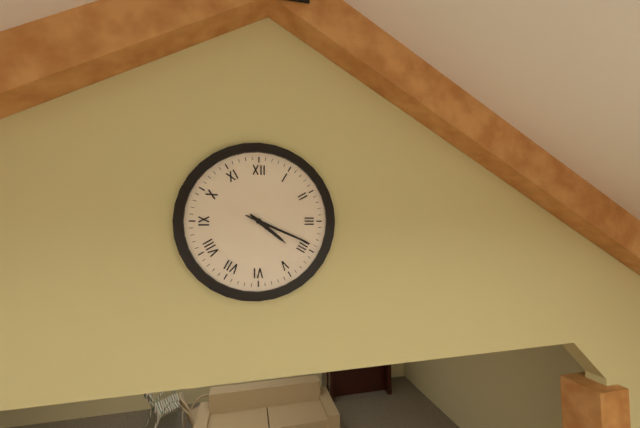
**4:19**
